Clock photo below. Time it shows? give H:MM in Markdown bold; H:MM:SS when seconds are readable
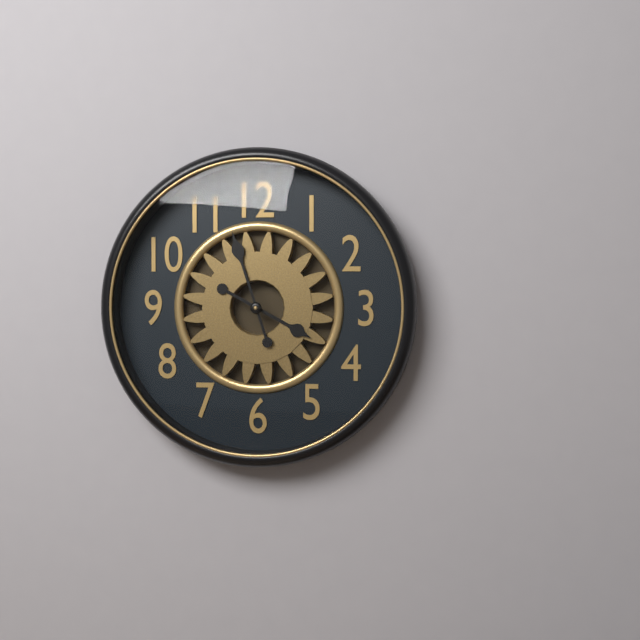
**3:57**
